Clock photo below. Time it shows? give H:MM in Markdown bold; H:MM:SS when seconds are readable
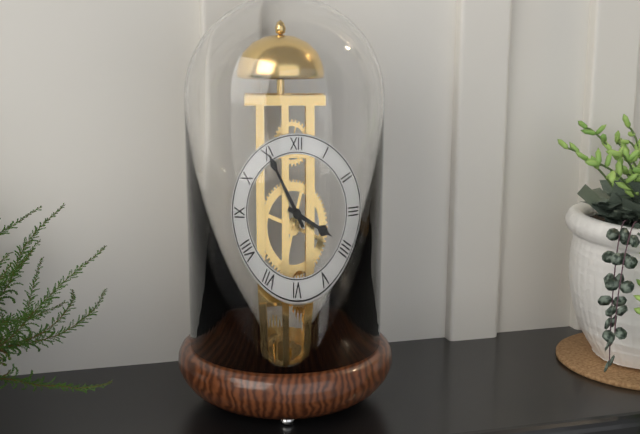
**3:55**
